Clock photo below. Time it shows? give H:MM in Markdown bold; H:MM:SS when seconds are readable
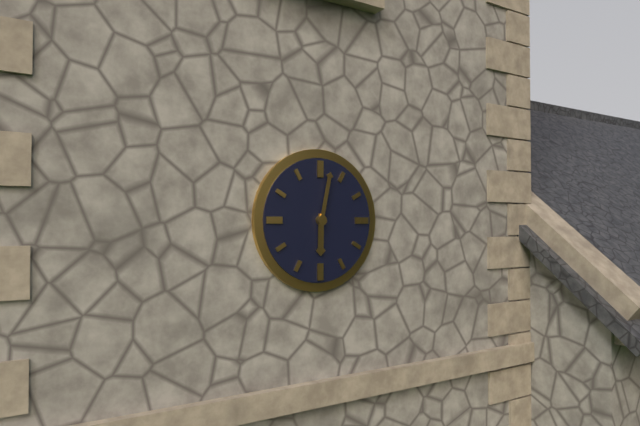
**6:02**
